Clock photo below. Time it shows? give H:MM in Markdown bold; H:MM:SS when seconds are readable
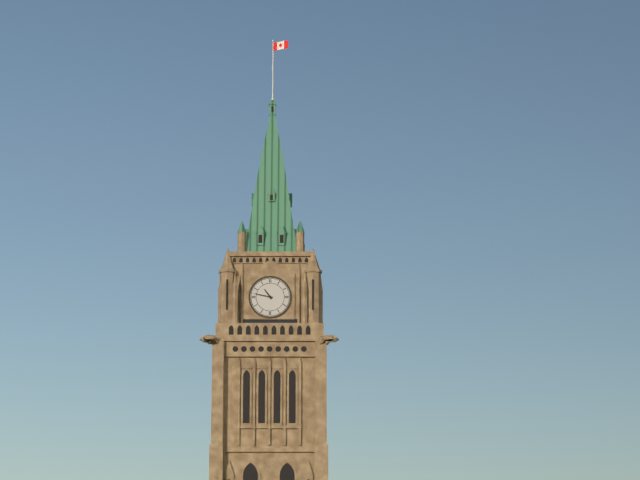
**10:47**
